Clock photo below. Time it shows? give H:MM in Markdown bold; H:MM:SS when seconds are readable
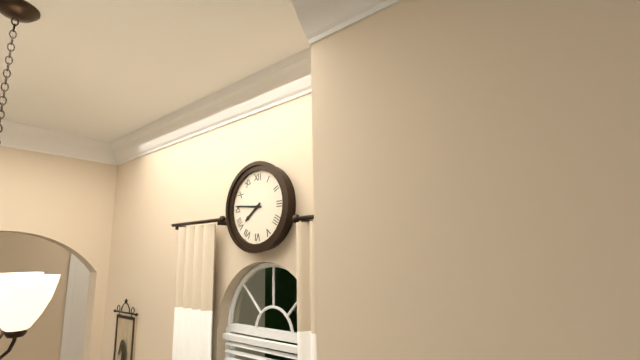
**7:46**
